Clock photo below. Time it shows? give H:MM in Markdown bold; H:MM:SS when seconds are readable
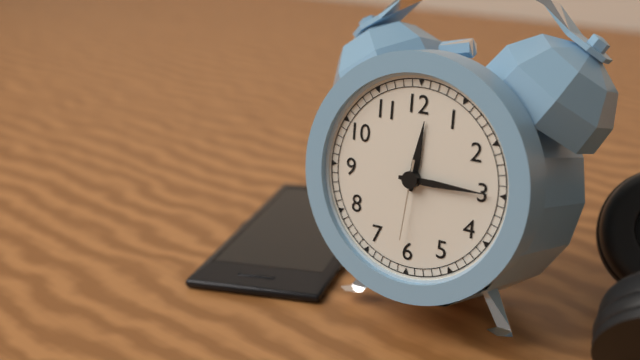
**12:15:31**
